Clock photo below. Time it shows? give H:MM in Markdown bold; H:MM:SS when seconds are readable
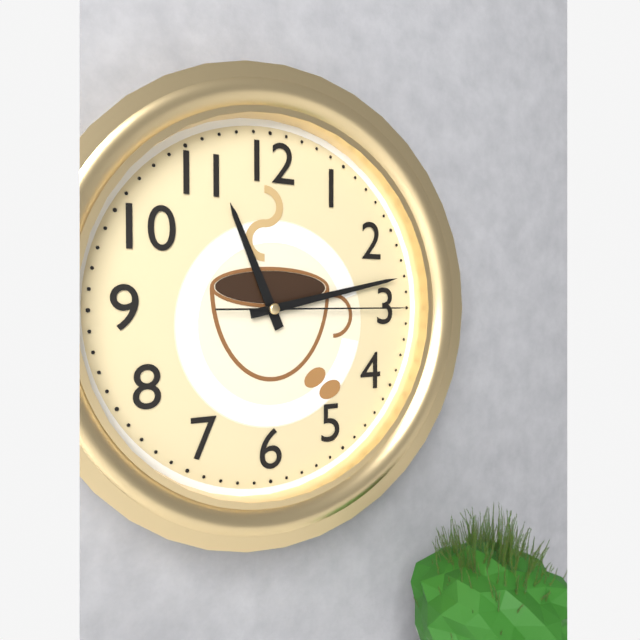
**11:13:15**
